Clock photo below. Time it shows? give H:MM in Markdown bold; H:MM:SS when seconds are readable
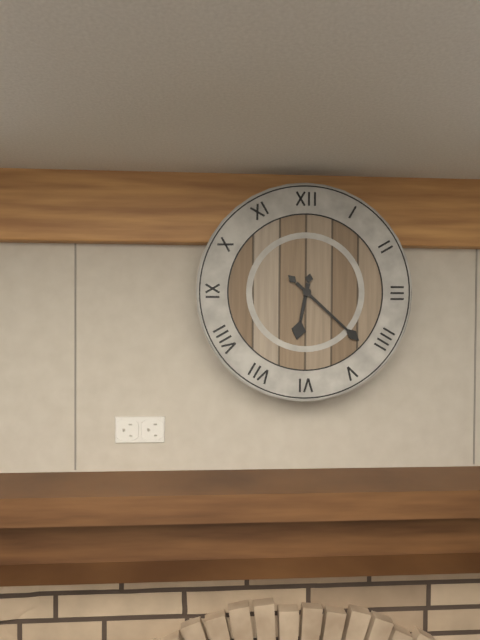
**6:22**
